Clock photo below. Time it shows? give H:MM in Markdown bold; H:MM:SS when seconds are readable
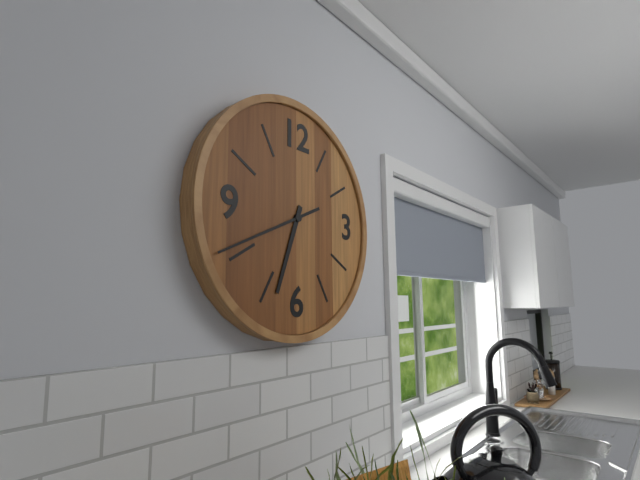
**6:41**
